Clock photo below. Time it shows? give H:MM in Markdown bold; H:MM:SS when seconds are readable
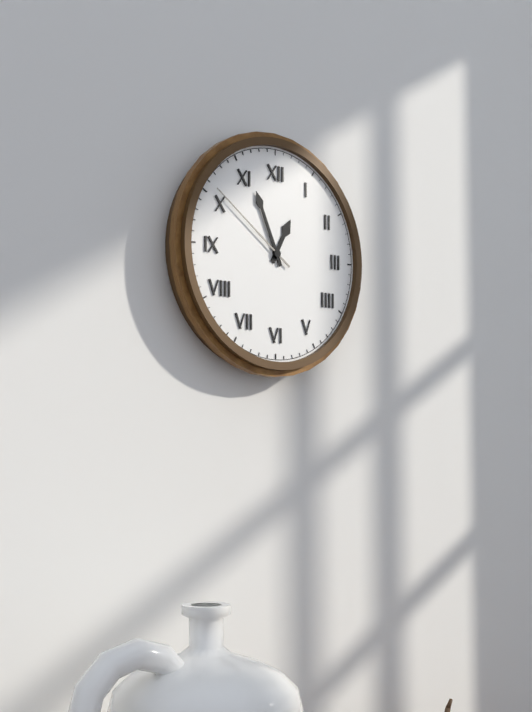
**12:56:51**
